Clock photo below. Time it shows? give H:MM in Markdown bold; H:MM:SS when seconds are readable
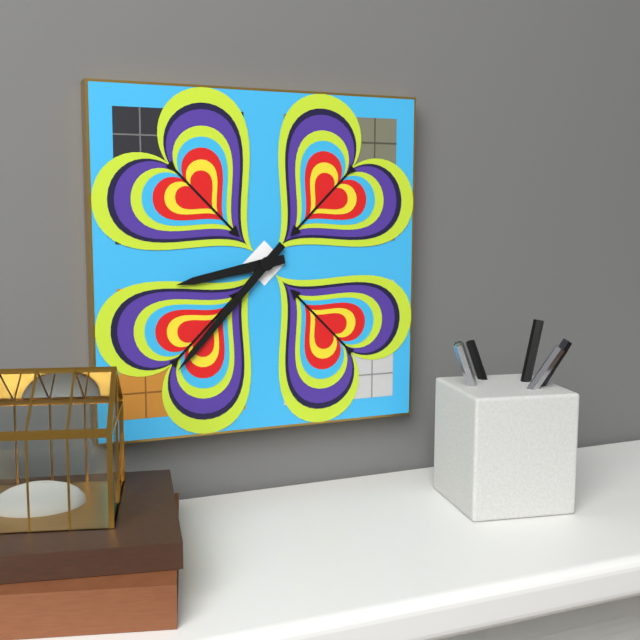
**8:37**
